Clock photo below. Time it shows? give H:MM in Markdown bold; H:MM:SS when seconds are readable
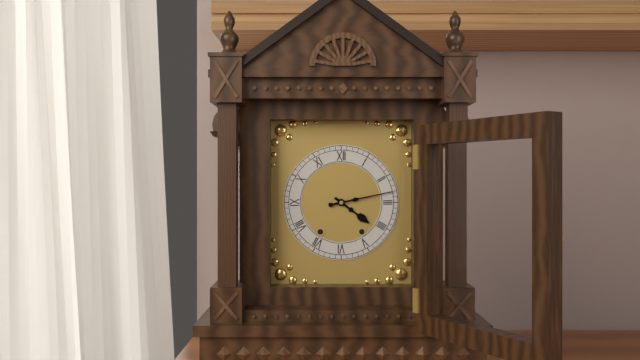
**4:13**
